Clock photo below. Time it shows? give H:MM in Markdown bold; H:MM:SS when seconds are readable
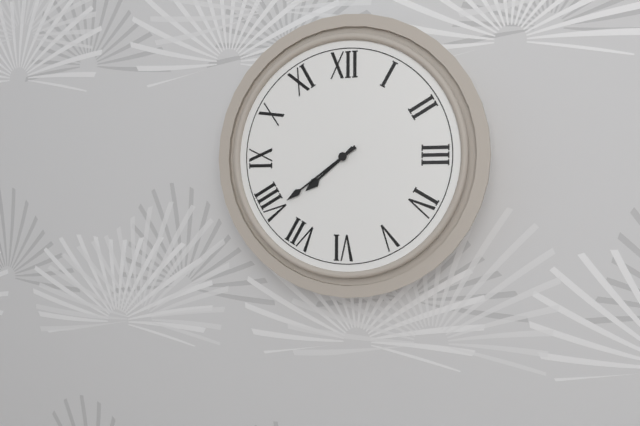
**7:39**
